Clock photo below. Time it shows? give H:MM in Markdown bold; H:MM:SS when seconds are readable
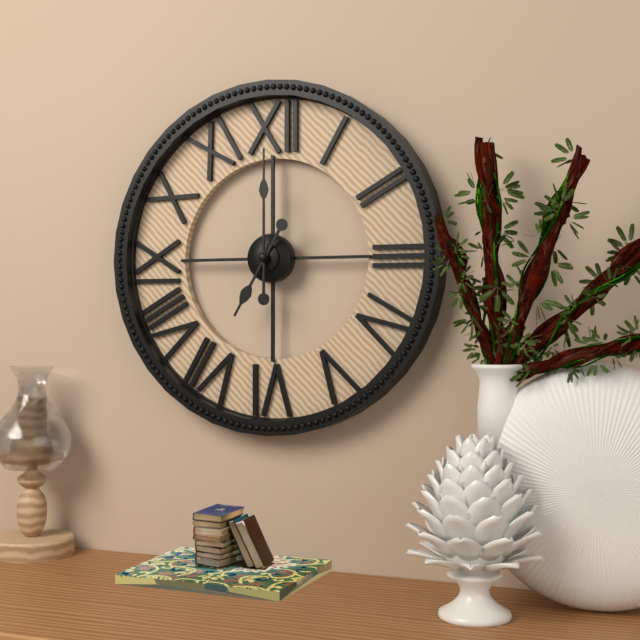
**7:00**
